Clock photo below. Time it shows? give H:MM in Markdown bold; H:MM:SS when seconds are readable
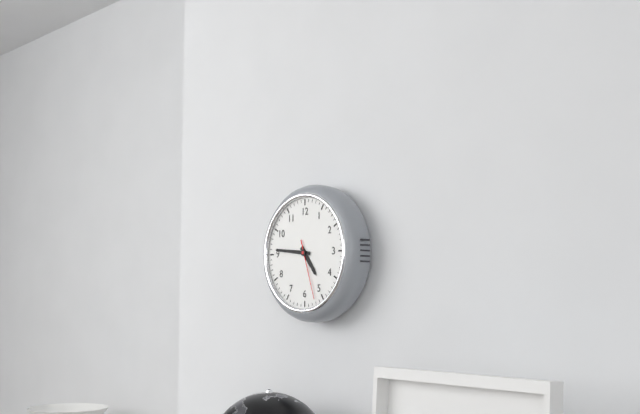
**4:46:27**
